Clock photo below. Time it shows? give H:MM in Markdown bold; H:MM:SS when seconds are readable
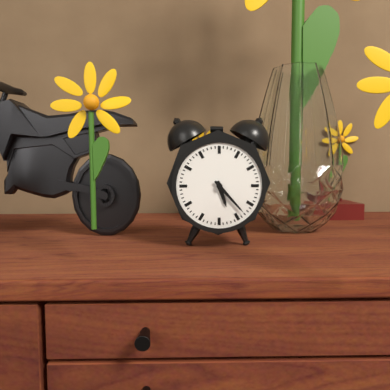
**5:23**
